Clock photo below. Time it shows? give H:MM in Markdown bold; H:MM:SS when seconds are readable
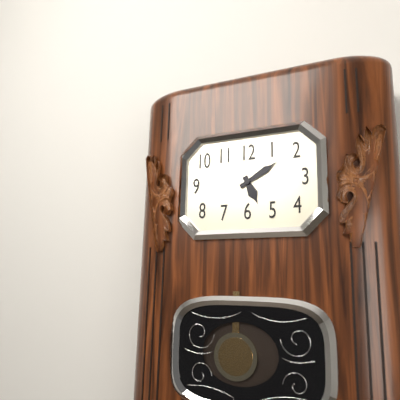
**5:10**
